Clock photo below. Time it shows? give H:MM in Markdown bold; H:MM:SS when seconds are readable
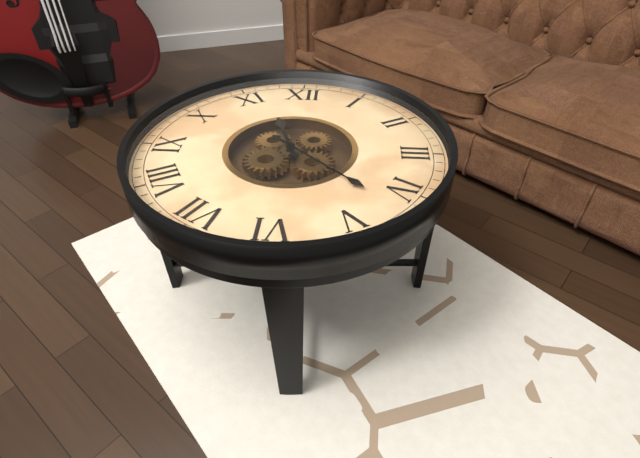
**11:22**
